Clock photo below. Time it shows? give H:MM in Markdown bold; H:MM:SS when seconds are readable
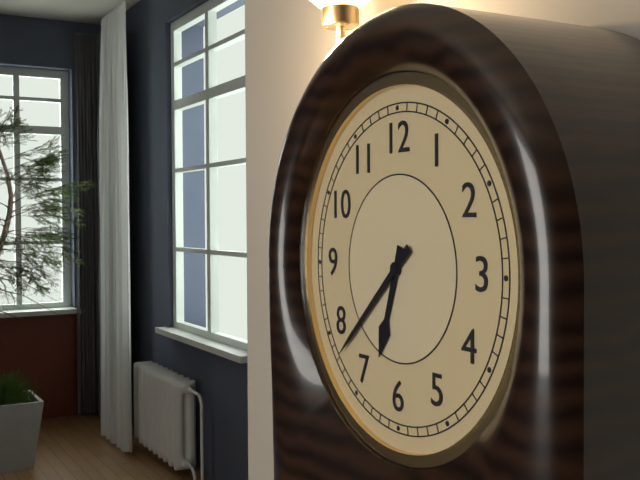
**6:38**
